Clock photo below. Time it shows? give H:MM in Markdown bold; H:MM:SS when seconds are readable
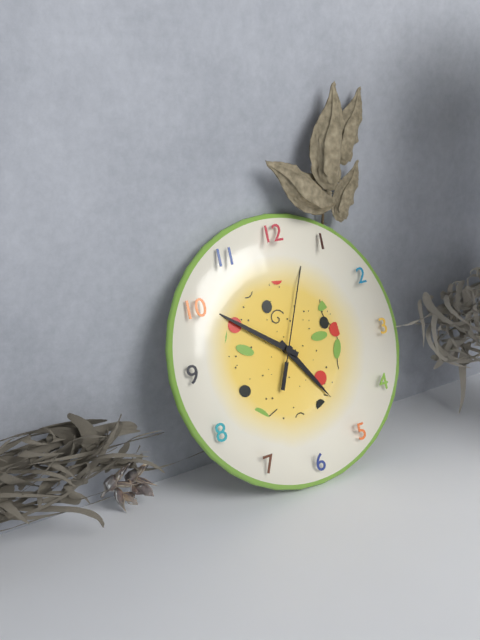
**4:51:04**
